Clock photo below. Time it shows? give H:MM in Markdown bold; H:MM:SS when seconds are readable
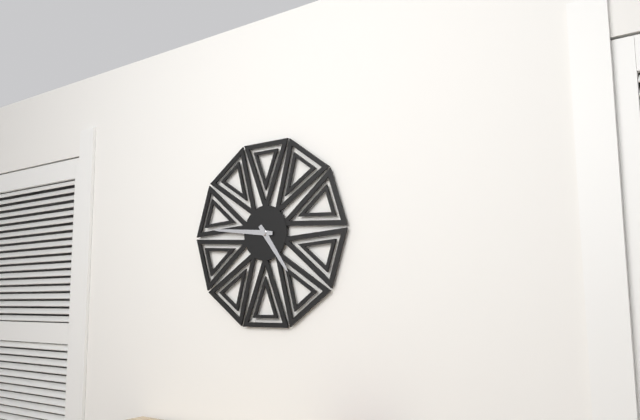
**4:46**
